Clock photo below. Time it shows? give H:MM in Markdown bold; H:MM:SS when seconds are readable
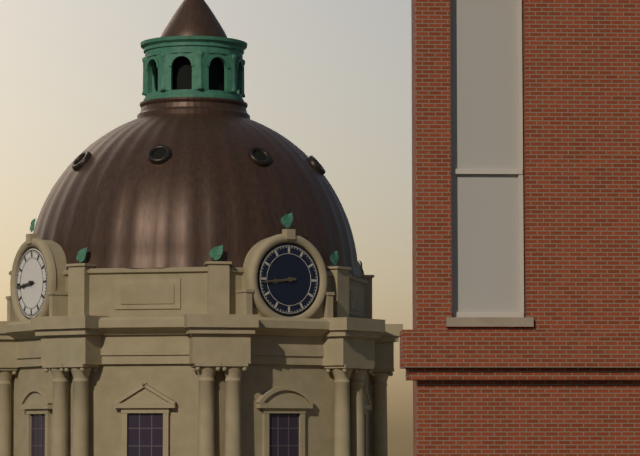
**8:44**
